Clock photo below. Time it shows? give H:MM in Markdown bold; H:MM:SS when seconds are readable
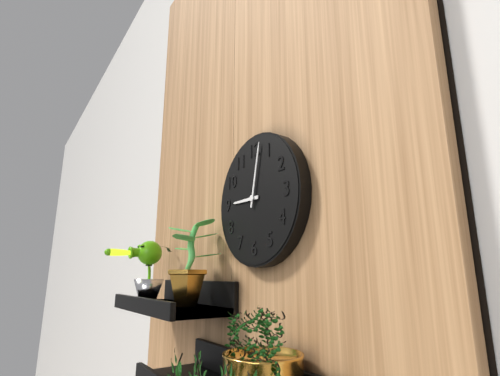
**9:02**
